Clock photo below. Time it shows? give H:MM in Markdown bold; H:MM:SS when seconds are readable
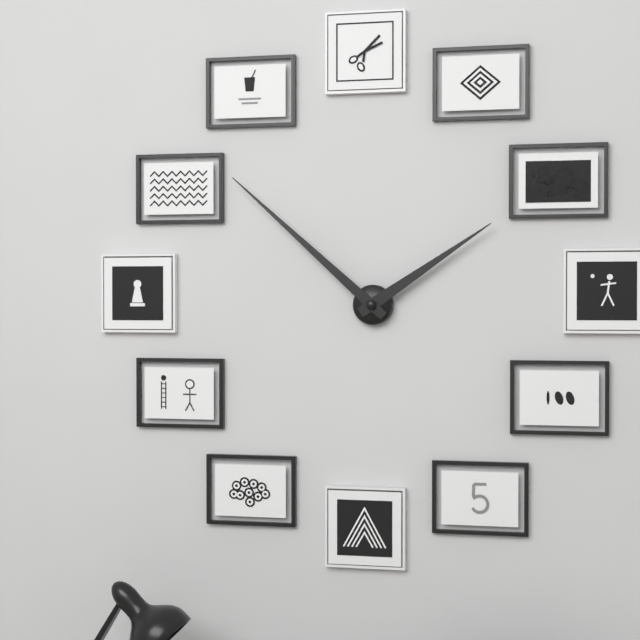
**1:52**
